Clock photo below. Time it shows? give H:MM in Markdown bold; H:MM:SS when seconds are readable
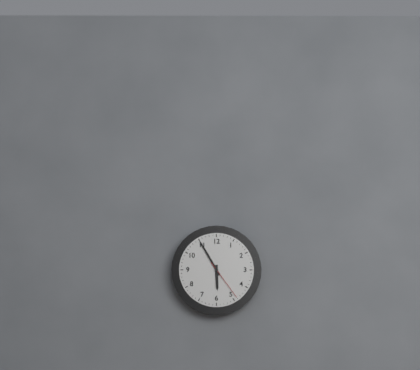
**5:55**
